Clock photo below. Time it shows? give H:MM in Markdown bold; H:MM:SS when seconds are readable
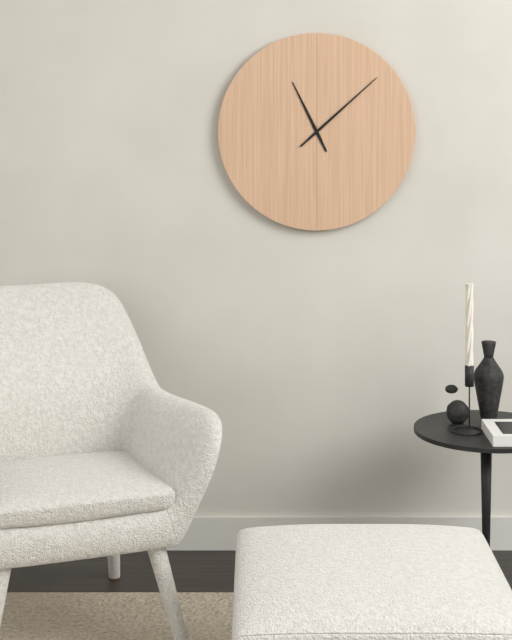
**11:08**
